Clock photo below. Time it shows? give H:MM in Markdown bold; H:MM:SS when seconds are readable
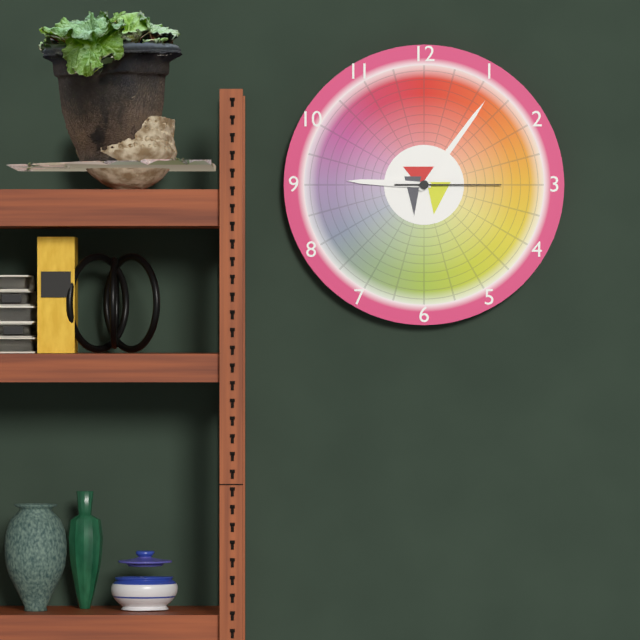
**9:06:15**
